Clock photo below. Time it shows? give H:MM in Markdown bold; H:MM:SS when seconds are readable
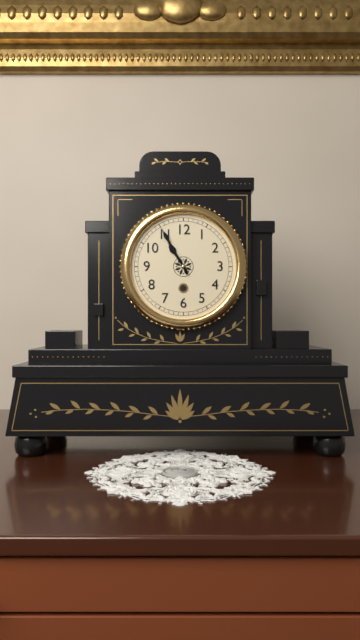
**10:55**
